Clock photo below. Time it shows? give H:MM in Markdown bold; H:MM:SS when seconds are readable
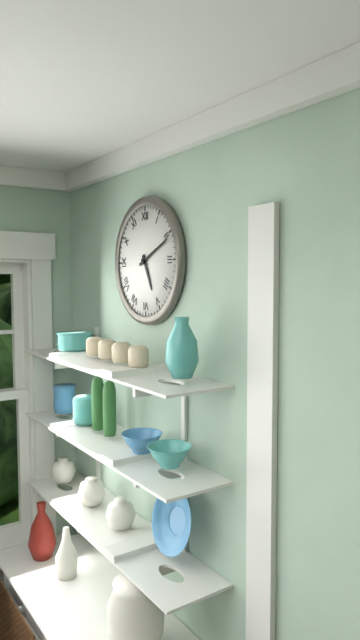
**5:11**
